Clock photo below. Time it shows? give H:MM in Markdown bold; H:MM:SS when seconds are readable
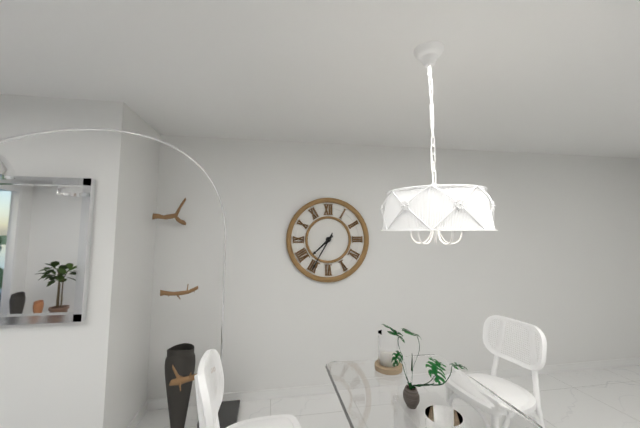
**7:35**
